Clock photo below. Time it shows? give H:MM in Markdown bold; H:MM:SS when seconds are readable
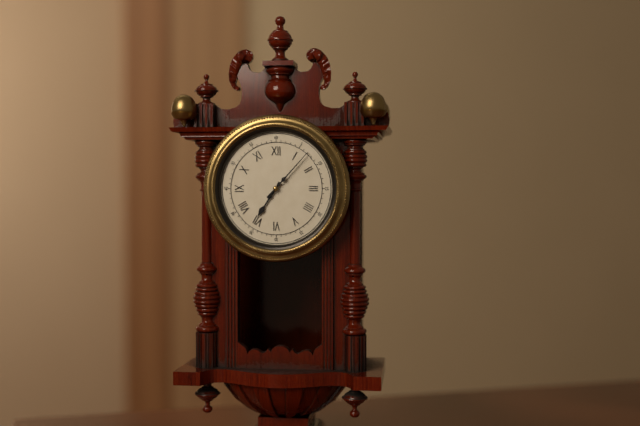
**7:07**
